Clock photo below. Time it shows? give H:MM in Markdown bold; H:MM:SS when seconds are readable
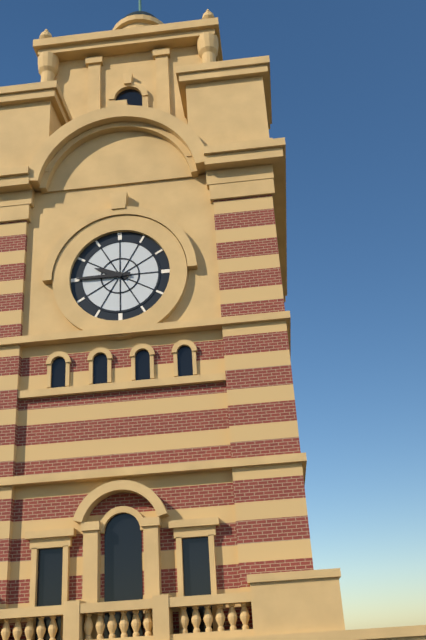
**9:45**
